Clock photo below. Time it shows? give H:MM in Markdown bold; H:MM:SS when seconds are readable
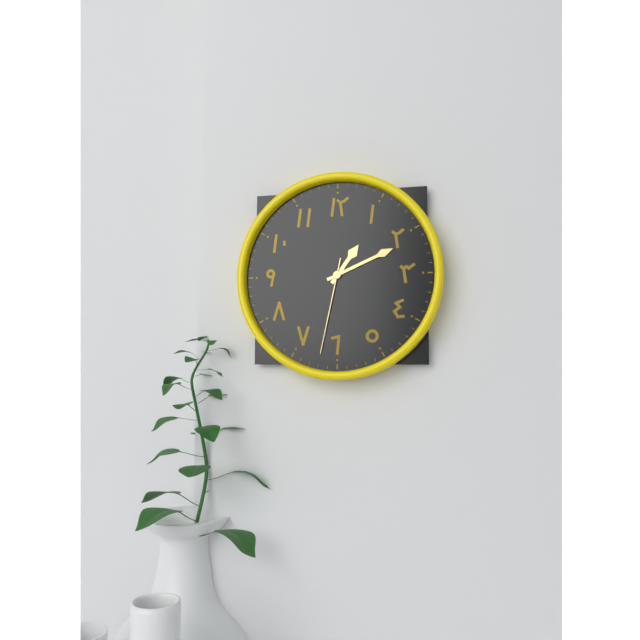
**1:11:32**
